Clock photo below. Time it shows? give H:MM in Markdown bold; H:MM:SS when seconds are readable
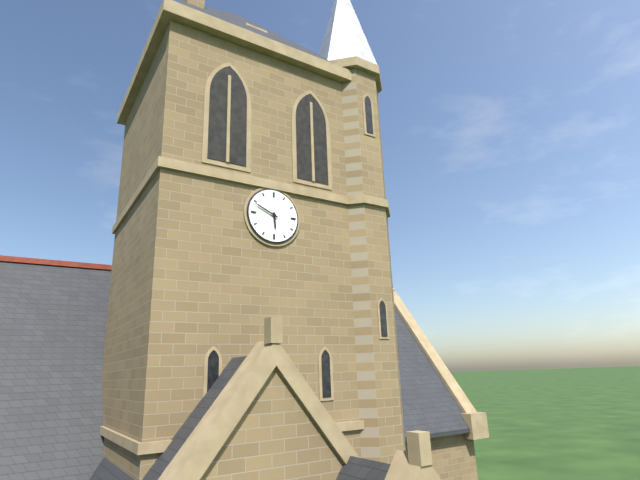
**5:49**
